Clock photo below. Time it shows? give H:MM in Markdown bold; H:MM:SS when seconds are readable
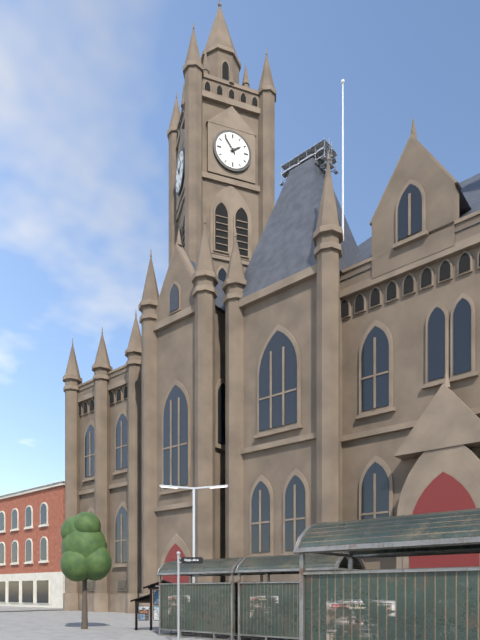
**1:54**
